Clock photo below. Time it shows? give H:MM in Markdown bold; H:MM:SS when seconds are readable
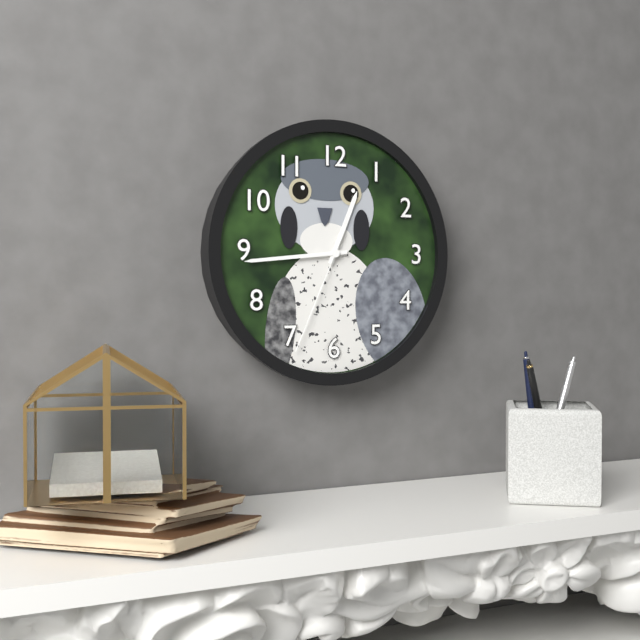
**12:44:34**
